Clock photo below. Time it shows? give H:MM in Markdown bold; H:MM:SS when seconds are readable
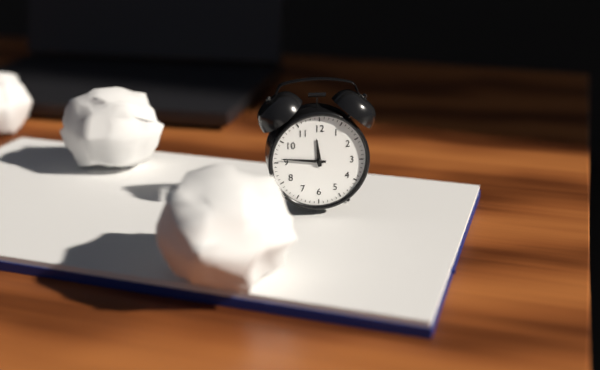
**11:46**
